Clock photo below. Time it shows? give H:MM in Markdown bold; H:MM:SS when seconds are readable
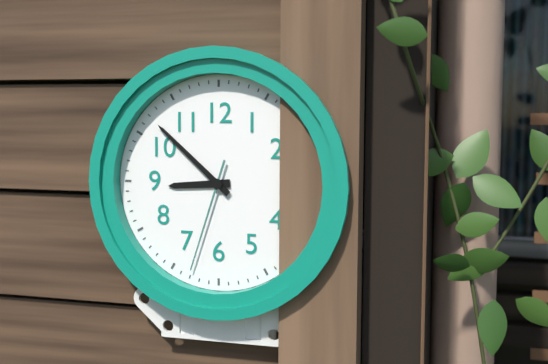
**8:52:33**
